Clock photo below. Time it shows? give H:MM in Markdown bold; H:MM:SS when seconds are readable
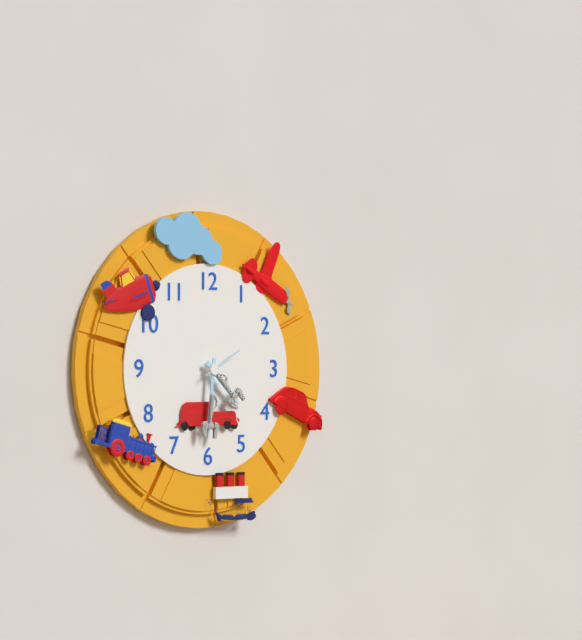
**4:31**
